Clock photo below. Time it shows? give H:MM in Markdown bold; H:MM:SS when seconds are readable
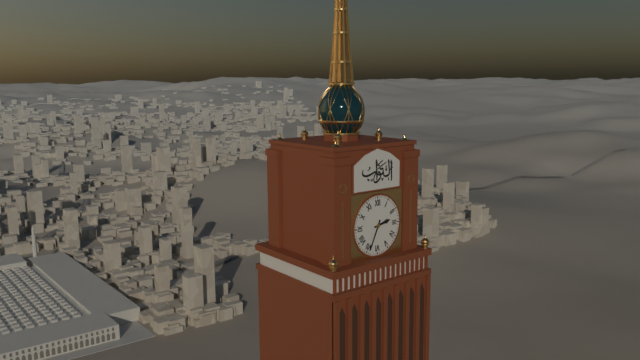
**2:34**
